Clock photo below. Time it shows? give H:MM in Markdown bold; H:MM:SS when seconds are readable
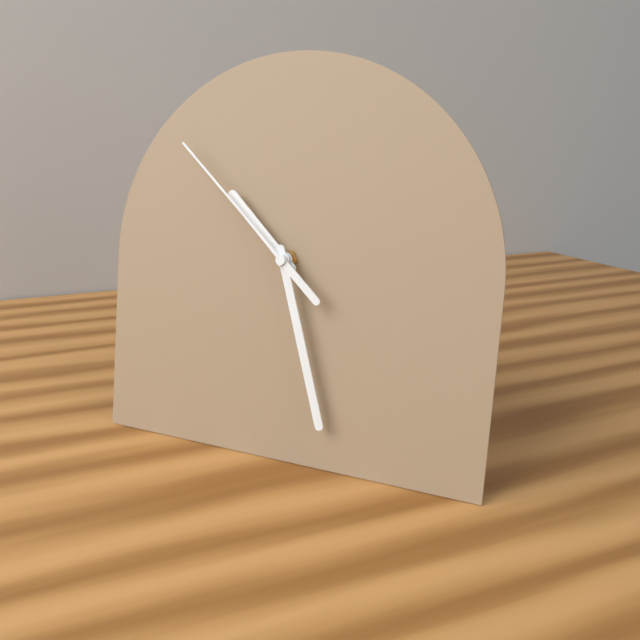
**10:27:52**
